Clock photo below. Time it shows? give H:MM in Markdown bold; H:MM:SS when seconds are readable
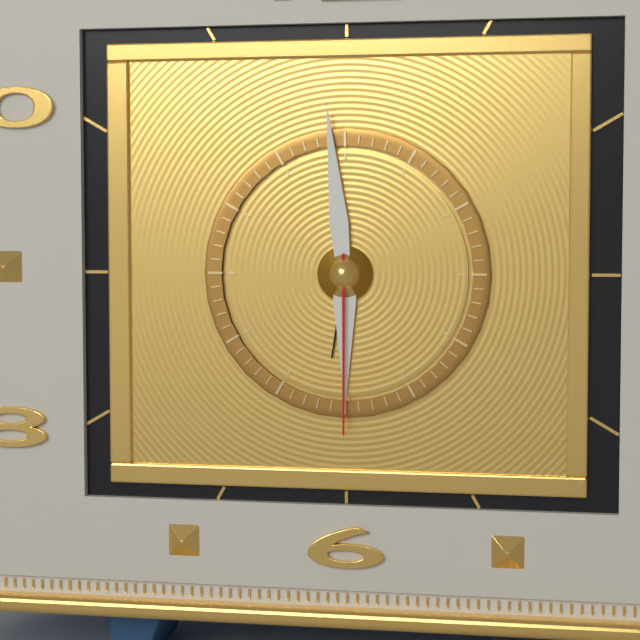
**5:59:30**
